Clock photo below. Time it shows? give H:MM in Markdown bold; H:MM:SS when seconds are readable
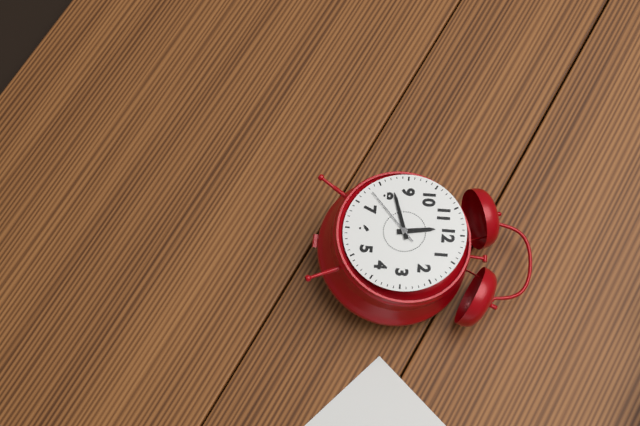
**11:42:38**
